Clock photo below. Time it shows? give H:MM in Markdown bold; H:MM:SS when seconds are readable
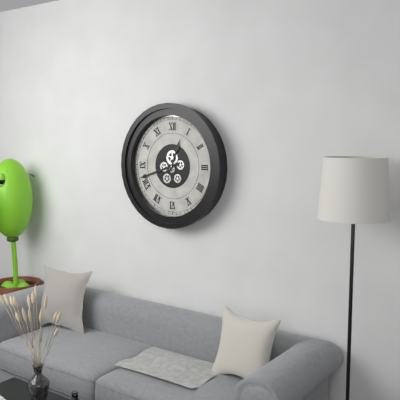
**12:42**
